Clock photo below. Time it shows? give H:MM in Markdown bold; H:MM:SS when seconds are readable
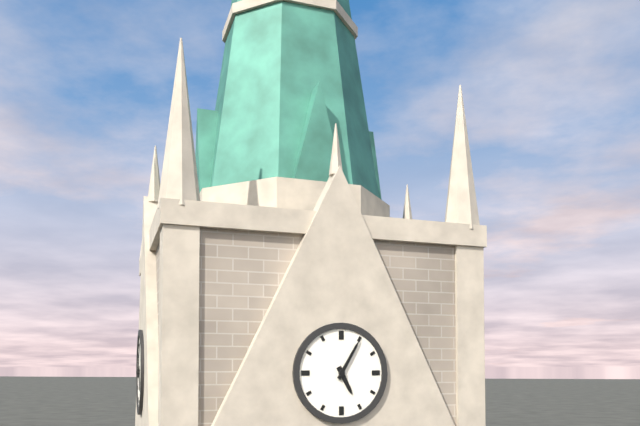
**5:05**
